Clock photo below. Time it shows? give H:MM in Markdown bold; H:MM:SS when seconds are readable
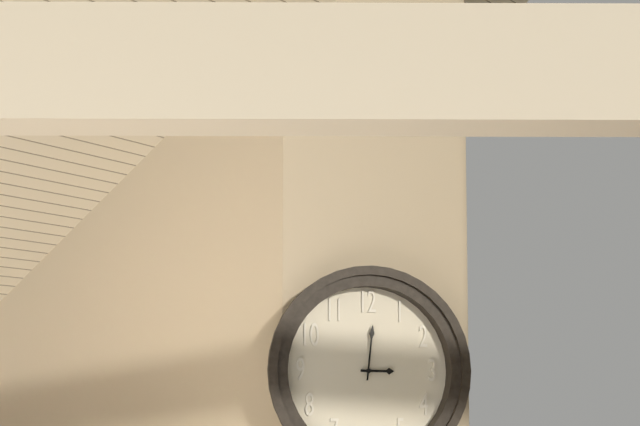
**3:01**
